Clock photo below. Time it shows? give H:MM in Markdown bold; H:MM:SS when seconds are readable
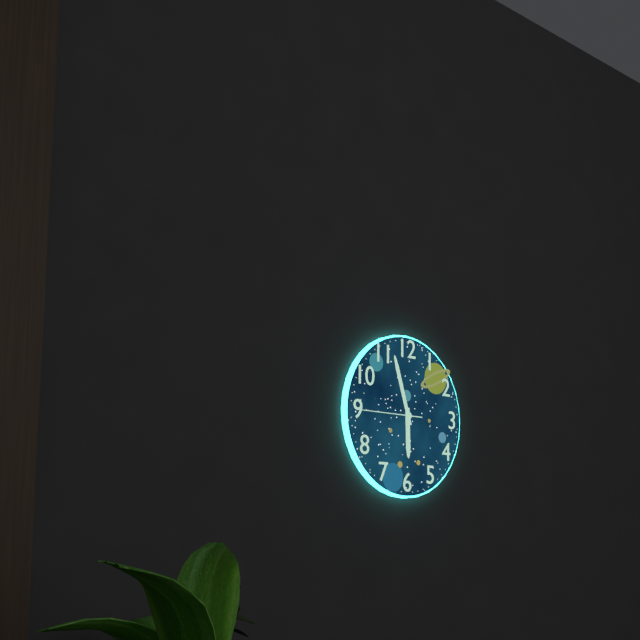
**5:57:45**
